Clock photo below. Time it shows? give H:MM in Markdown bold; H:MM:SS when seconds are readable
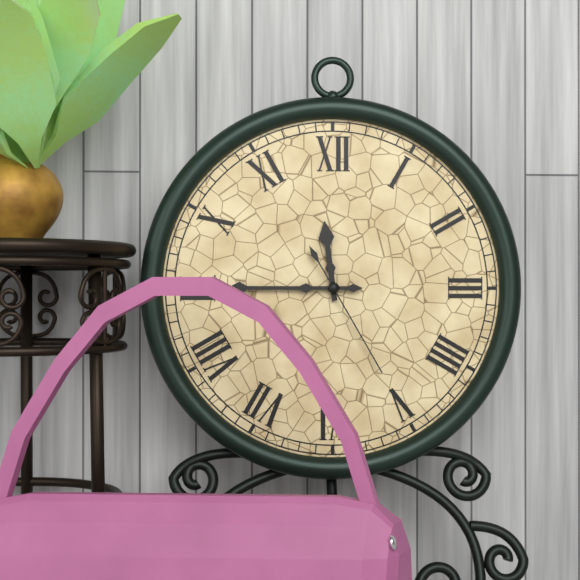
**11:45:25**
